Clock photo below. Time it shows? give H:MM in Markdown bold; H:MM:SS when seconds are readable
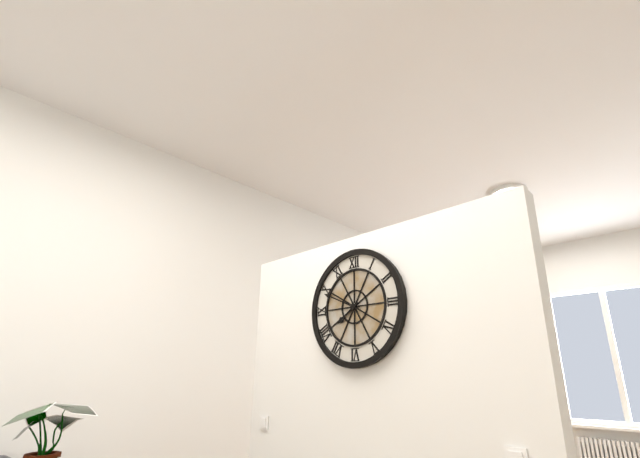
**7:49**
